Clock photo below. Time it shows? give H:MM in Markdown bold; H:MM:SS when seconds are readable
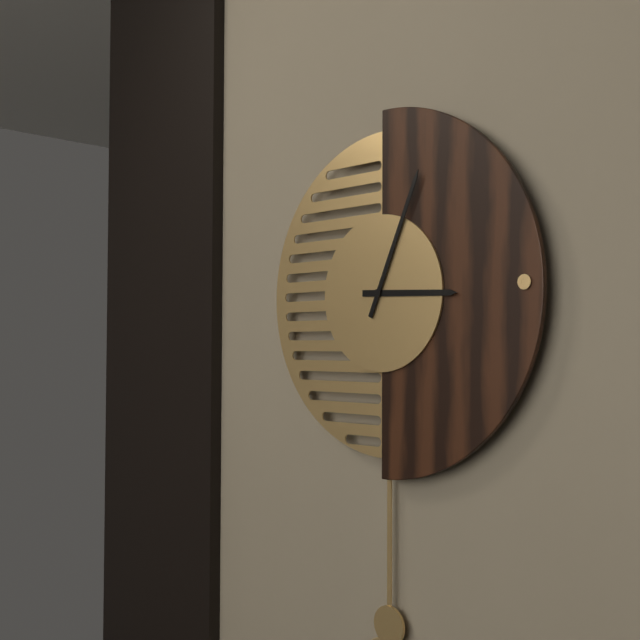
**3:04**
